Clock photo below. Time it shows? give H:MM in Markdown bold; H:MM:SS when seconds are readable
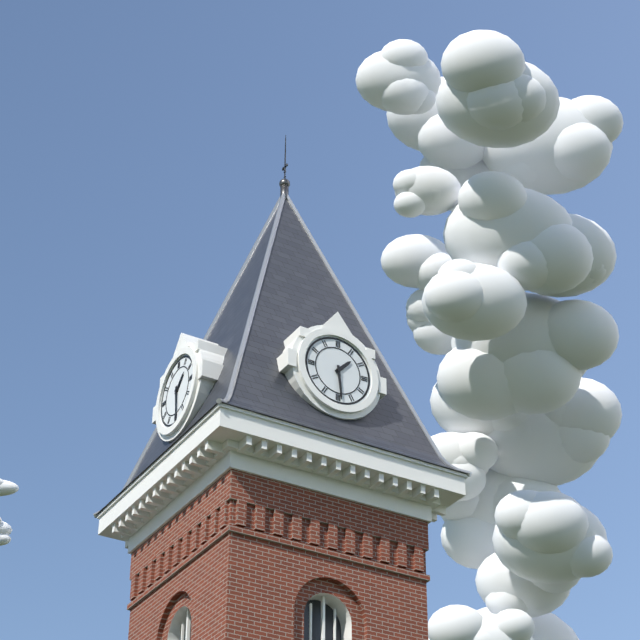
**1:29**
